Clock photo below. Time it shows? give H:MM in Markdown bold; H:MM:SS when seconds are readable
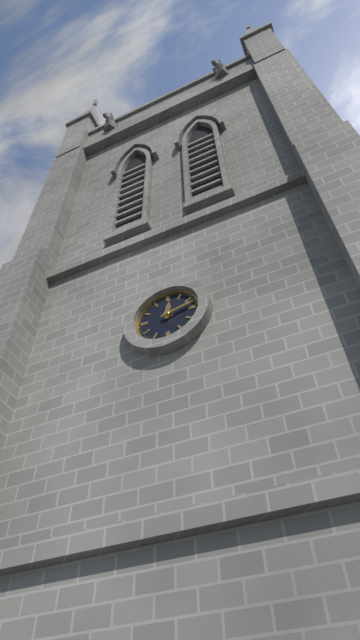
**12:13**
